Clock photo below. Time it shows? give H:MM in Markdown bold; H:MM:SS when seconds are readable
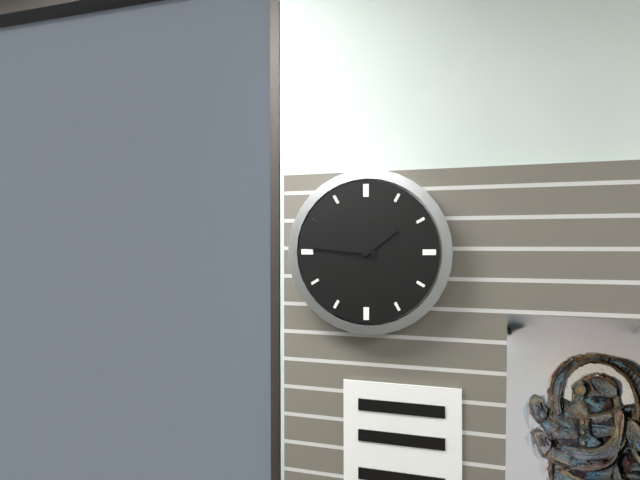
**1:46**
